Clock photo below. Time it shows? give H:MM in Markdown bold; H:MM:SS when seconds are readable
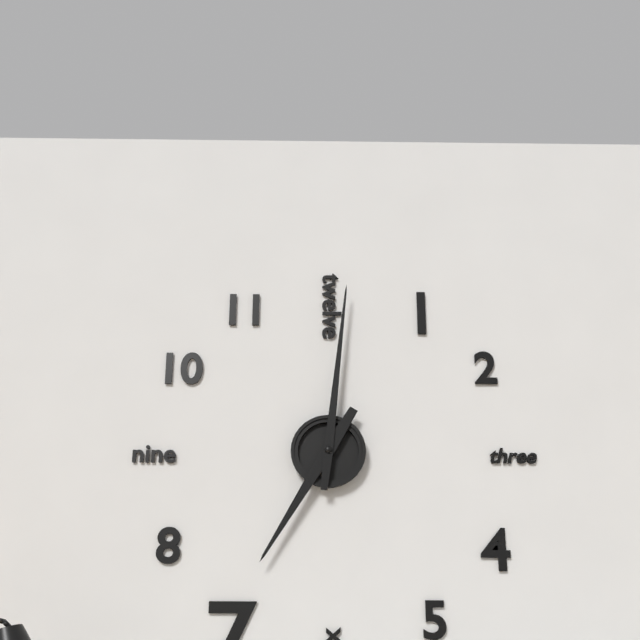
**7:01**
